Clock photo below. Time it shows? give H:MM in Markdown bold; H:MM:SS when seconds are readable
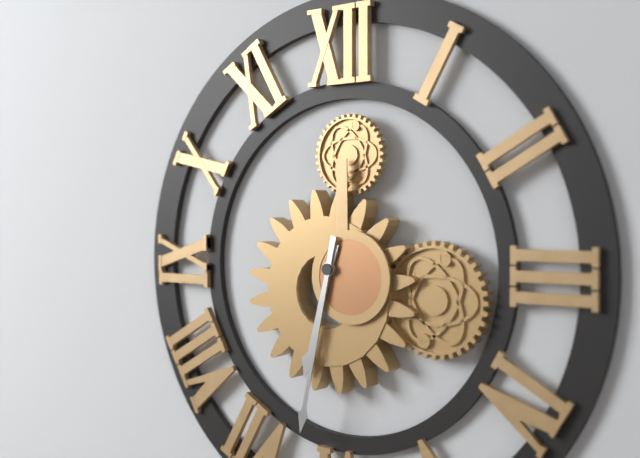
**6:32**
